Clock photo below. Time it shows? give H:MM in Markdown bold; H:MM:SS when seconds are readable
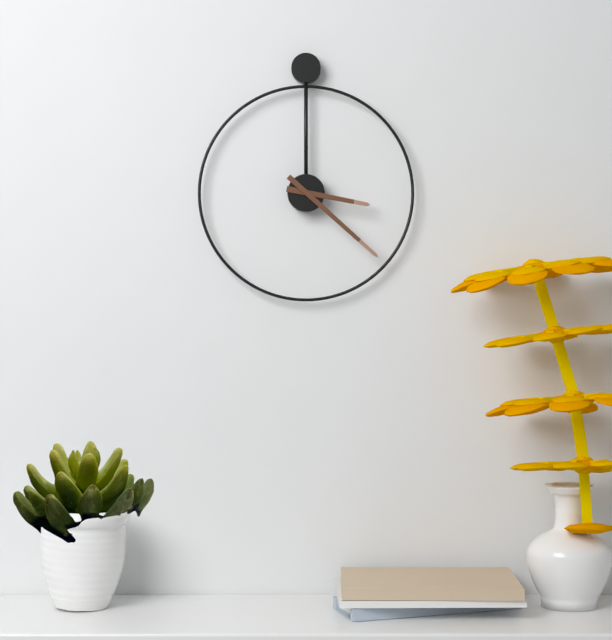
**3:22**
